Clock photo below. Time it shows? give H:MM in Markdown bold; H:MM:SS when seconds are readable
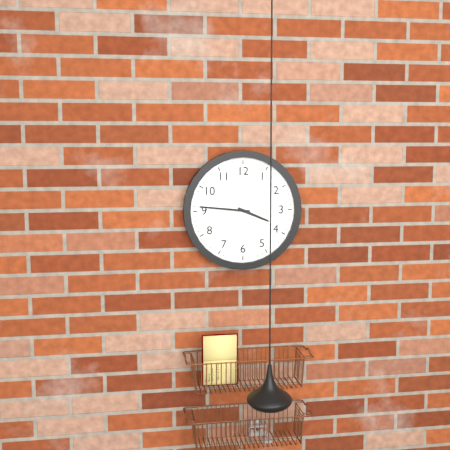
**3:46**
